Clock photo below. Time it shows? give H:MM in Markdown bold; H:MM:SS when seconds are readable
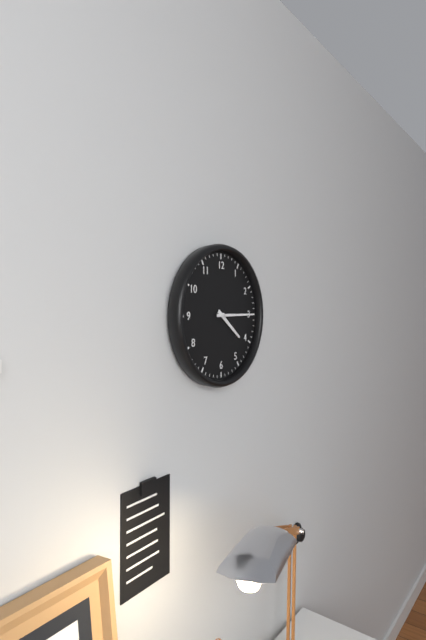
**4:15**
